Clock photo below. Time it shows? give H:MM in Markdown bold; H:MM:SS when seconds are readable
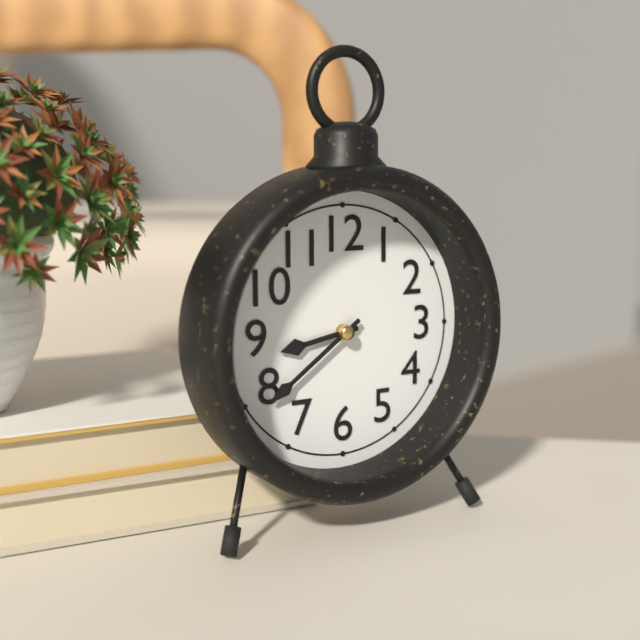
**8:39**
